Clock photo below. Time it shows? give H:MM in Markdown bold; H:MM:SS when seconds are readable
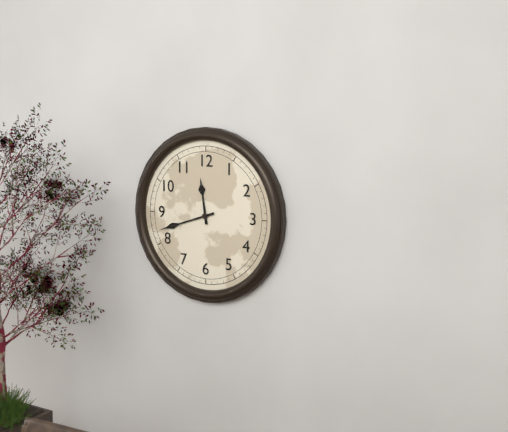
**11:42**
